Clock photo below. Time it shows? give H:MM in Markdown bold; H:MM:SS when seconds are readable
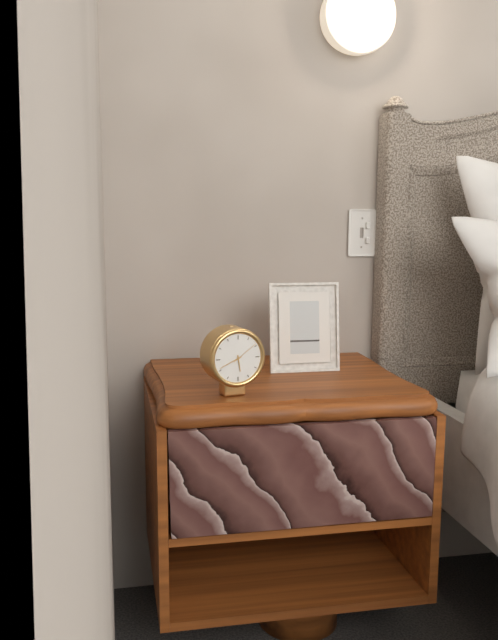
**5:41**
